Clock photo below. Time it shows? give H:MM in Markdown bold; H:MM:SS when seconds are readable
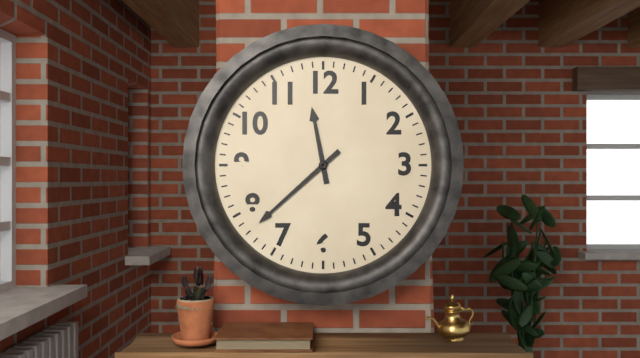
**11:38**
